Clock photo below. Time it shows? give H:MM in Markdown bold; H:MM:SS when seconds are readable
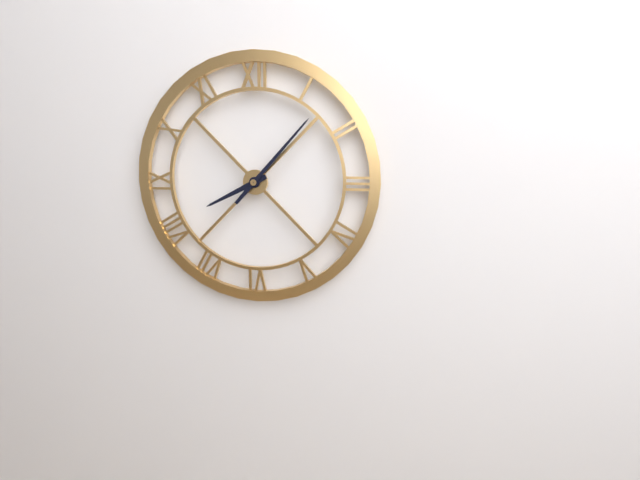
**8:07**
